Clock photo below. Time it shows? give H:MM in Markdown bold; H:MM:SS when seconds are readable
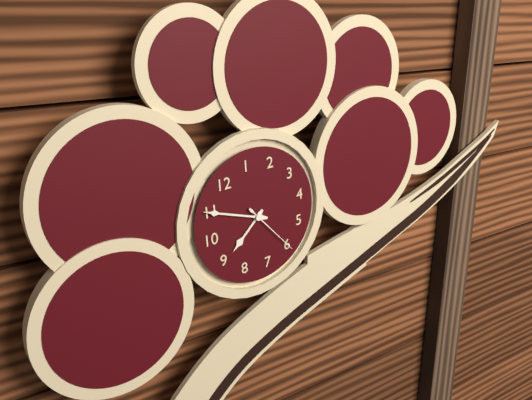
**8:55:30**
